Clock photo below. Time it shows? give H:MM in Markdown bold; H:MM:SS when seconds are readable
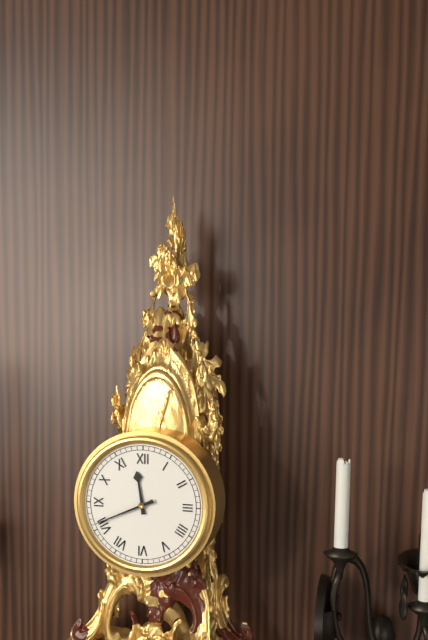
**11:41**
